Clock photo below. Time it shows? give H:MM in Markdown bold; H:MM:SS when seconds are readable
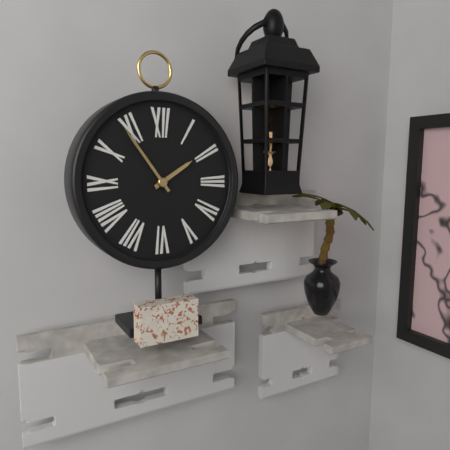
**1:54**
